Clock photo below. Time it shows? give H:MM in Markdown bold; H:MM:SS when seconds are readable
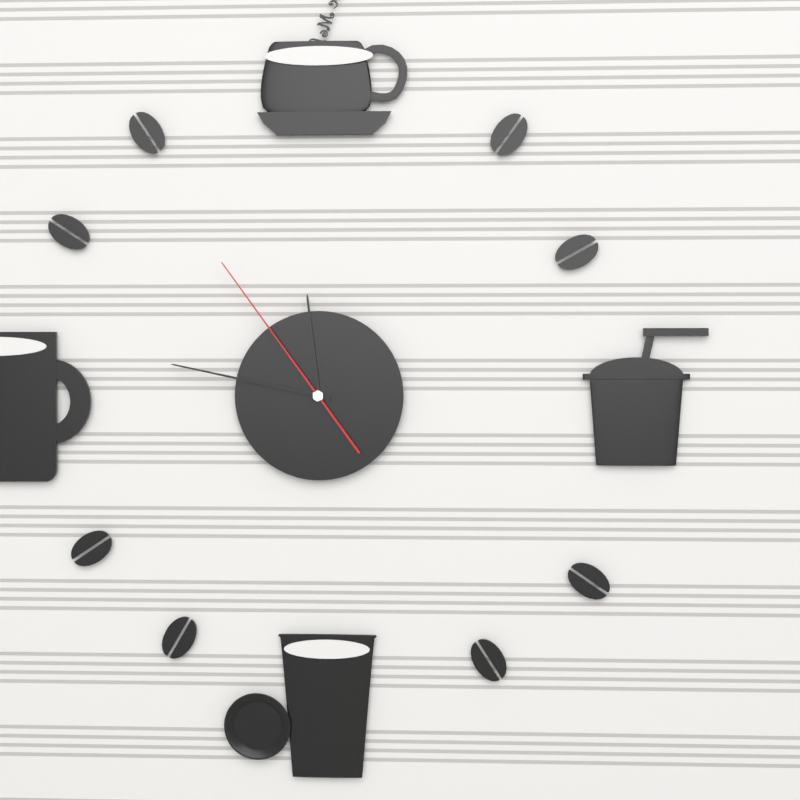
**11:47:54**
